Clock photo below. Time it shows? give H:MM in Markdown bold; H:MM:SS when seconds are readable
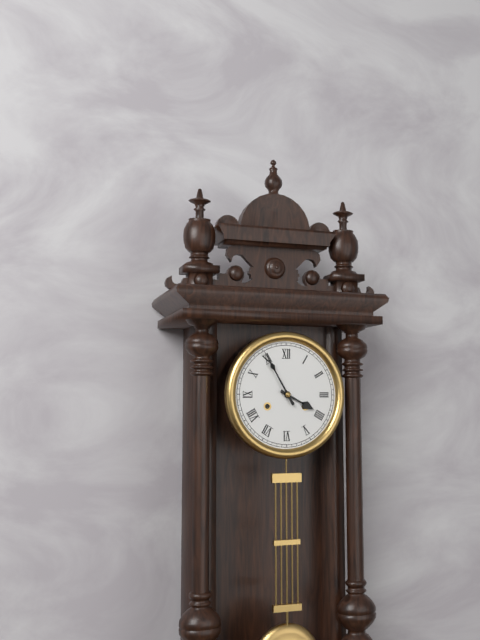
**3:55**
